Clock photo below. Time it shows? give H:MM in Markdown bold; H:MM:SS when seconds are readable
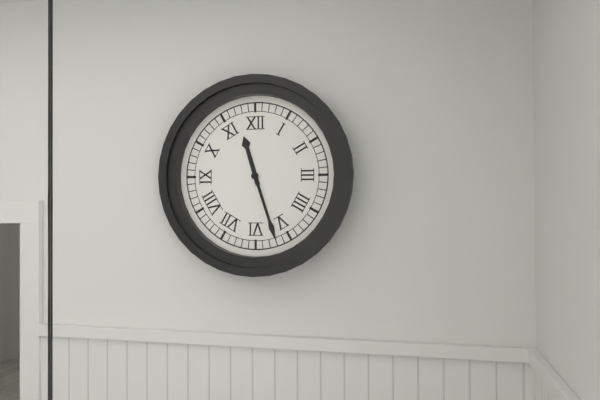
**11:27**
